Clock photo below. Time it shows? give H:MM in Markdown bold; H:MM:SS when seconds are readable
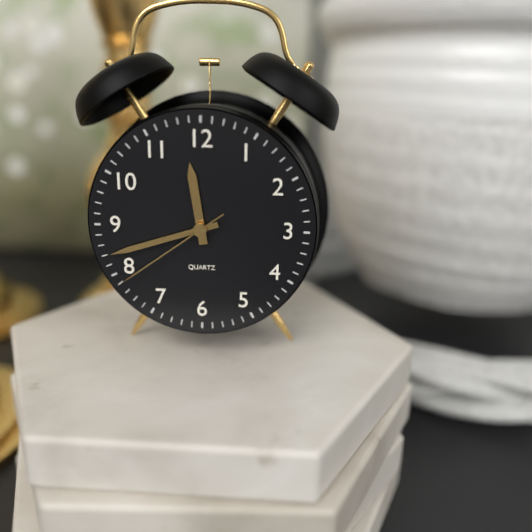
**11:42:39**
